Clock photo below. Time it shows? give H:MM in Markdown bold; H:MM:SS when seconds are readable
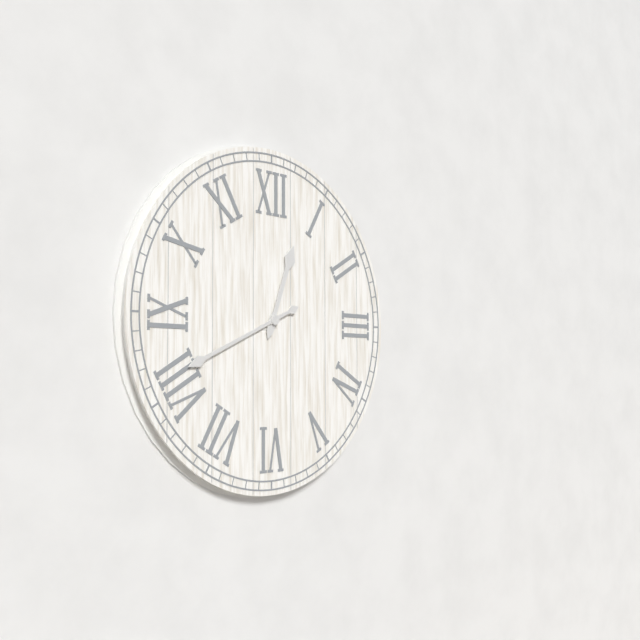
**12:41**
